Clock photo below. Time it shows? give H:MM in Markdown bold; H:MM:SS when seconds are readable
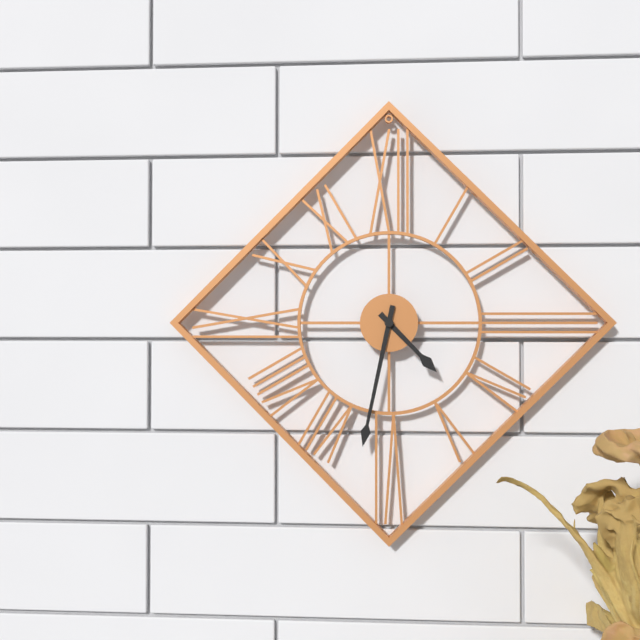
**4:32**
